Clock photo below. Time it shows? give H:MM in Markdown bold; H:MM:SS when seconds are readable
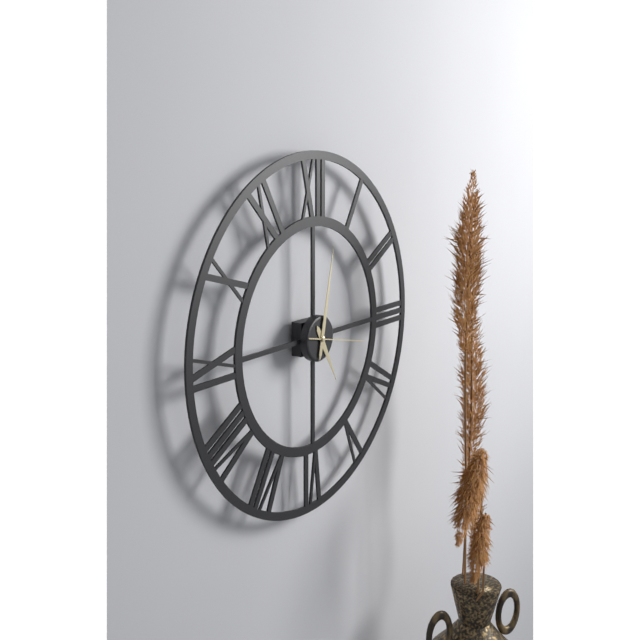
**5:02:17**
